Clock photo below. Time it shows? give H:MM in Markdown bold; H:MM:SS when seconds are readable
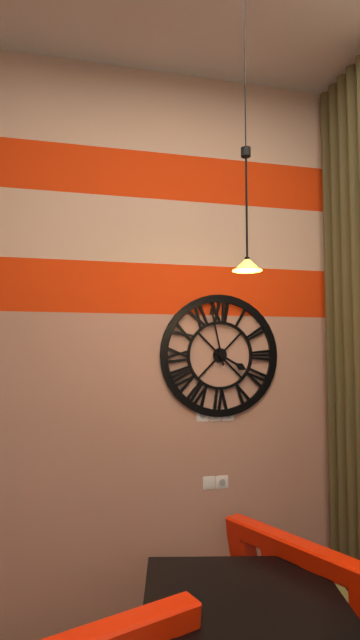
**3:58**
